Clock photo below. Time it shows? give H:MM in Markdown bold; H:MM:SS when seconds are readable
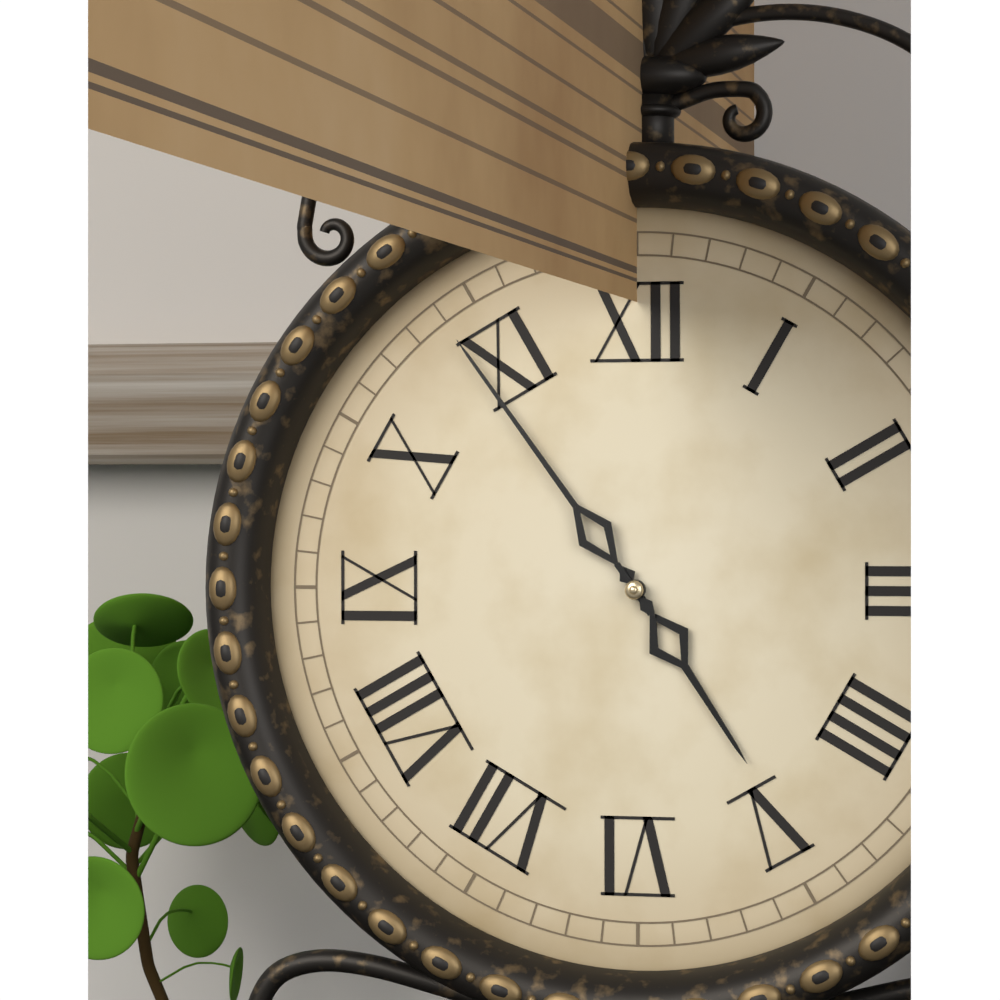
**4:54**
